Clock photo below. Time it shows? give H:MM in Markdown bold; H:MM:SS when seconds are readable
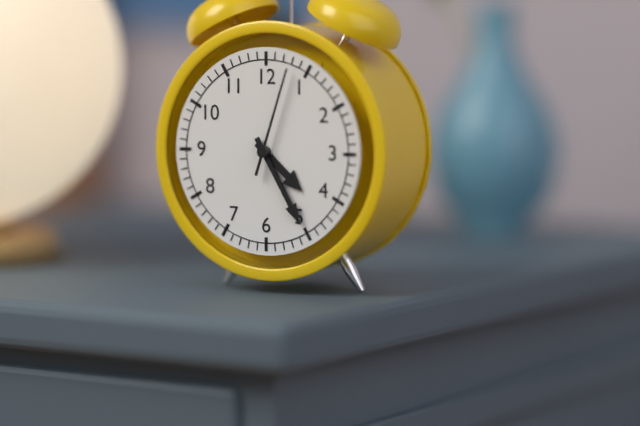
**4:25:03**
